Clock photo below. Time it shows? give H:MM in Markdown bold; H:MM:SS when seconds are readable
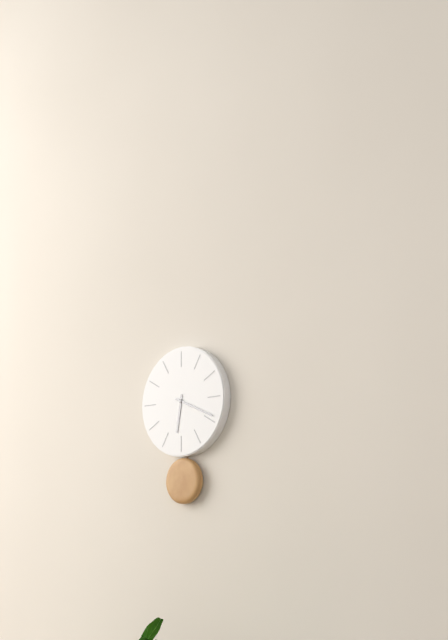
**6:19**
